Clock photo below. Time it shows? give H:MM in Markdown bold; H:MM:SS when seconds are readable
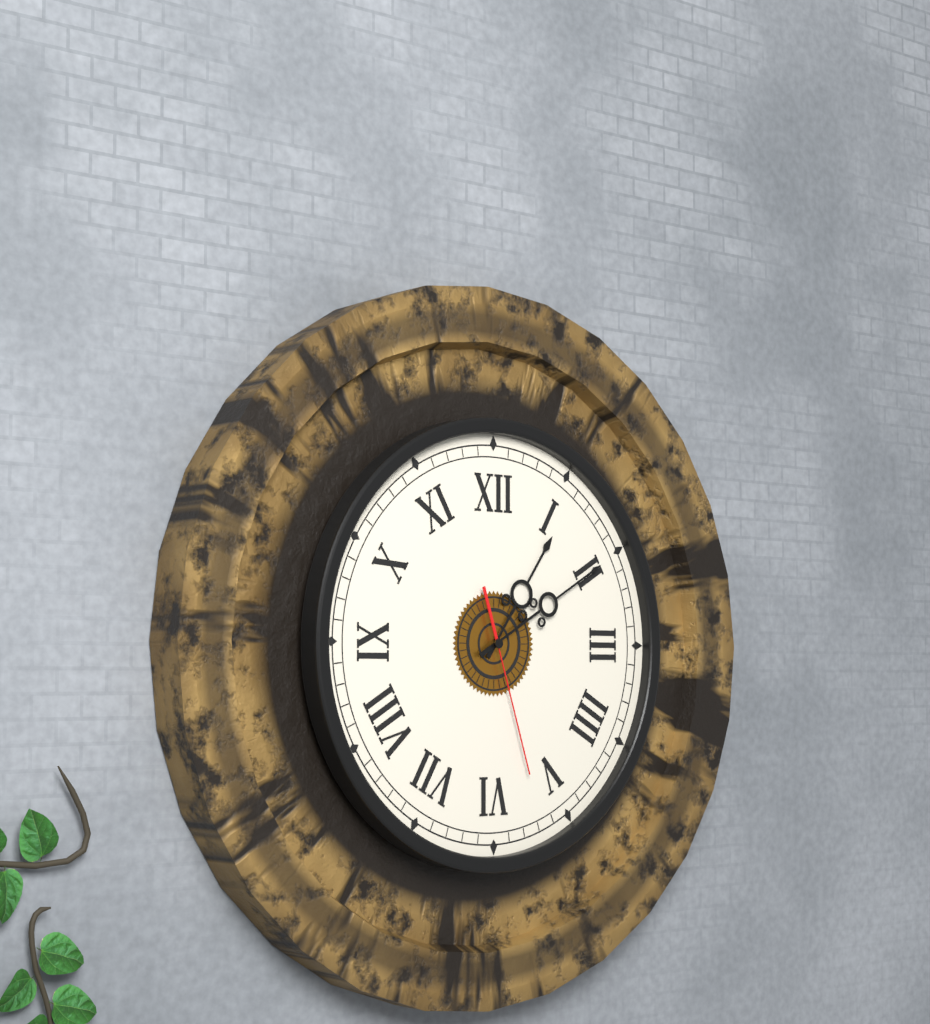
**1:10:27**
